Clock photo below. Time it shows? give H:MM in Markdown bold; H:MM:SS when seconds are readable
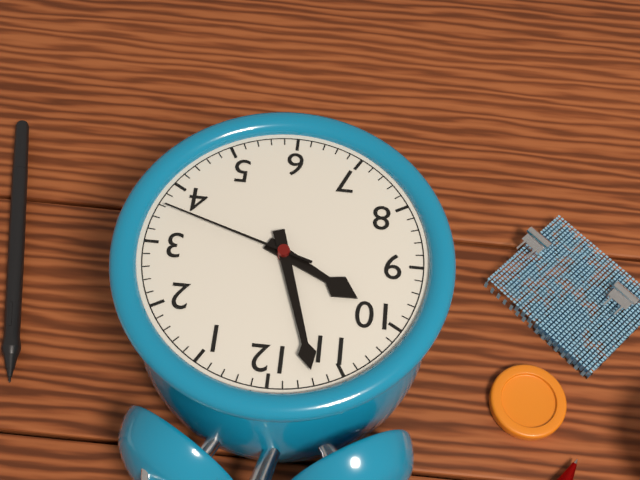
**9:57:18**
